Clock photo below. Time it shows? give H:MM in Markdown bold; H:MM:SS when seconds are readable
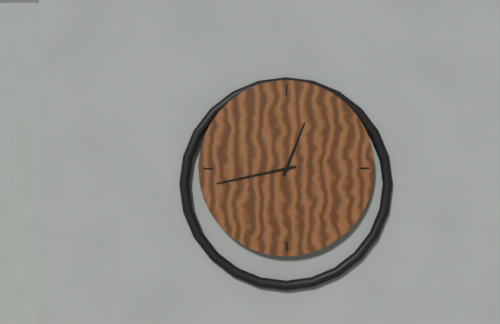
**12:43**
